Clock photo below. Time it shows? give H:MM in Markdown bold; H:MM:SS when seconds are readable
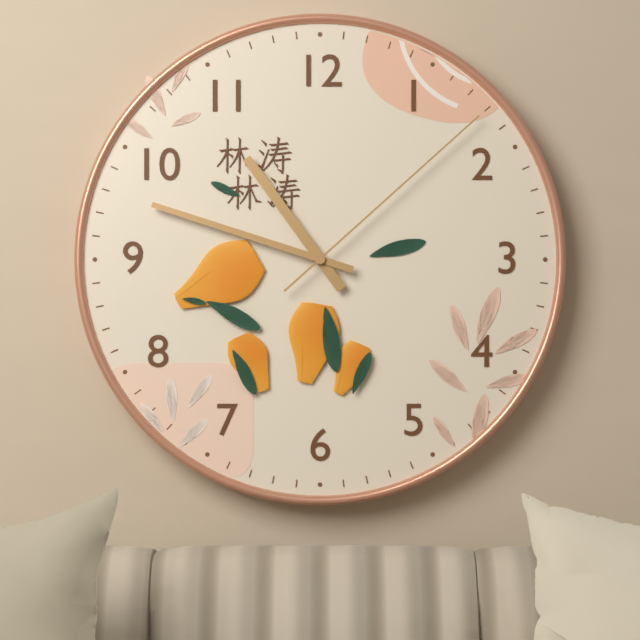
**10:48:08**
